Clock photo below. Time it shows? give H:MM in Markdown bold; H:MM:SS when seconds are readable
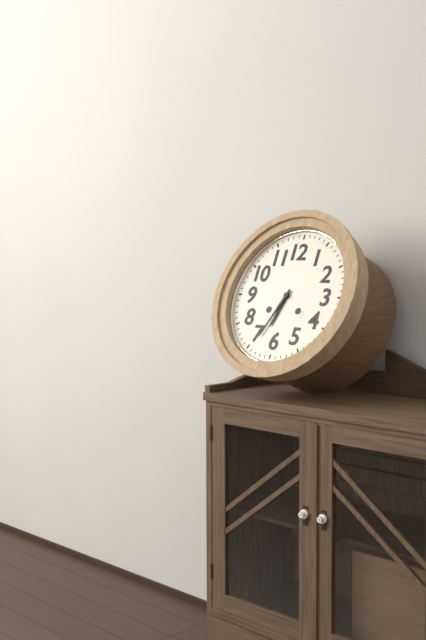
**6:34**
